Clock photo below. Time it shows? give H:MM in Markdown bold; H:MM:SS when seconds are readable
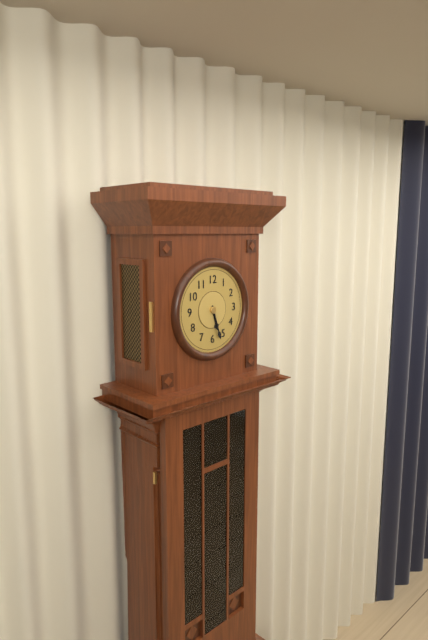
**5:27**
